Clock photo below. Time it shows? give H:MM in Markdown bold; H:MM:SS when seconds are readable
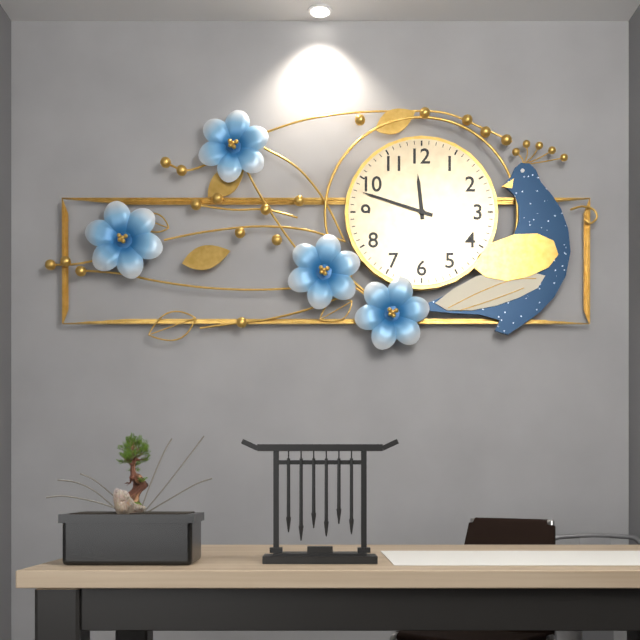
**11:48**
